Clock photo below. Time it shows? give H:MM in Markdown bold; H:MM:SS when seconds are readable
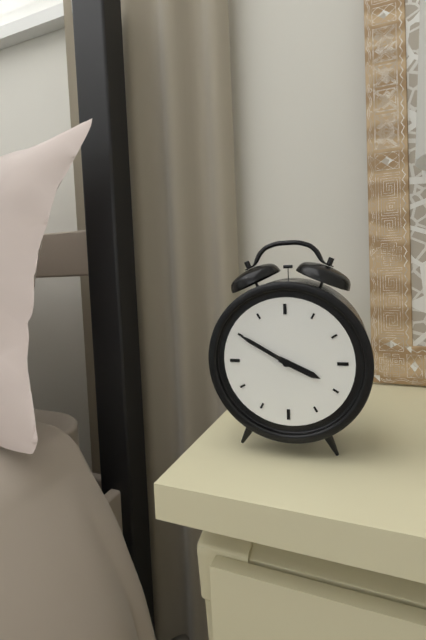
**3:50**
